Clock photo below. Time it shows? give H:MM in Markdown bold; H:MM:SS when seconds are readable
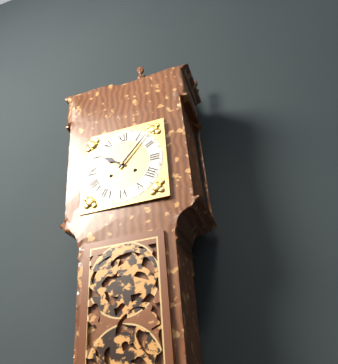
**10:07**
